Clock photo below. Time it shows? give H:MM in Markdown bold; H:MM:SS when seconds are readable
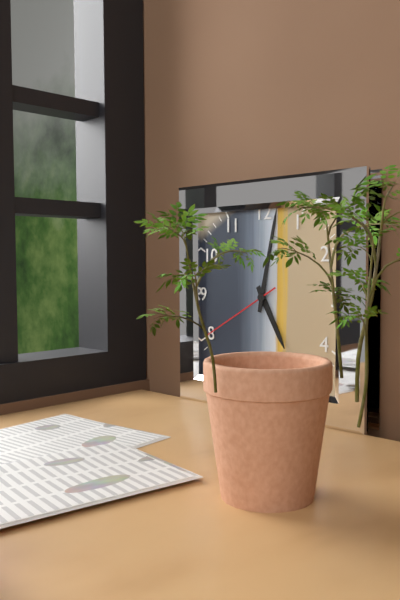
**5:02:40**
